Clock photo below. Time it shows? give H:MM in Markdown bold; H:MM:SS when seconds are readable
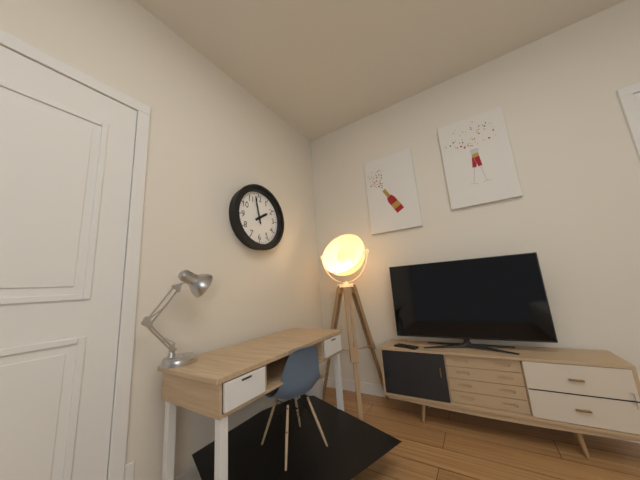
**1:58**
